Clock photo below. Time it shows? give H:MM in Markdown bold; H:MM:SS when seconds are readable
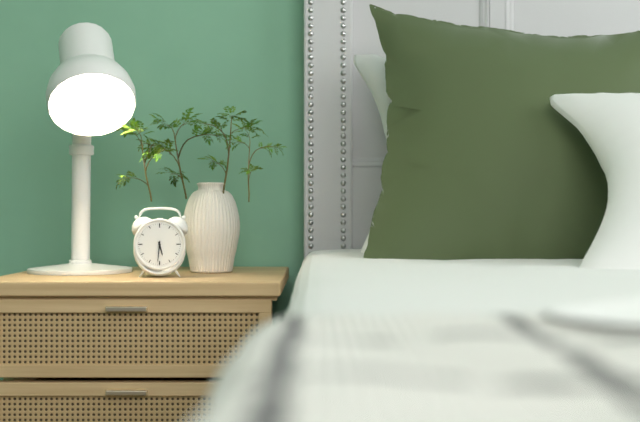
**5:31**
